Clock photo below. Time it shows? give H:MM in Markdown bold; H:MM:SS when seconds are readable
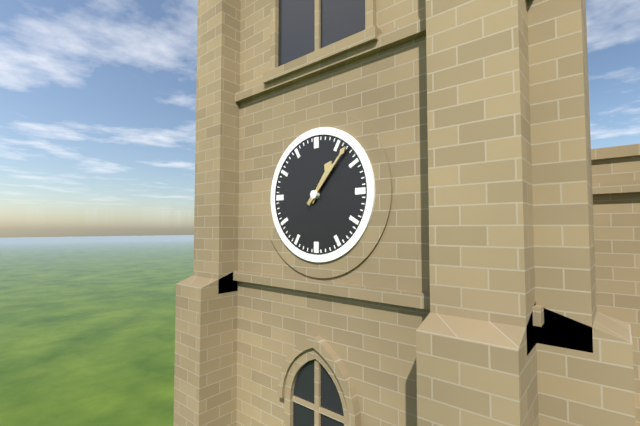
**1:07**
